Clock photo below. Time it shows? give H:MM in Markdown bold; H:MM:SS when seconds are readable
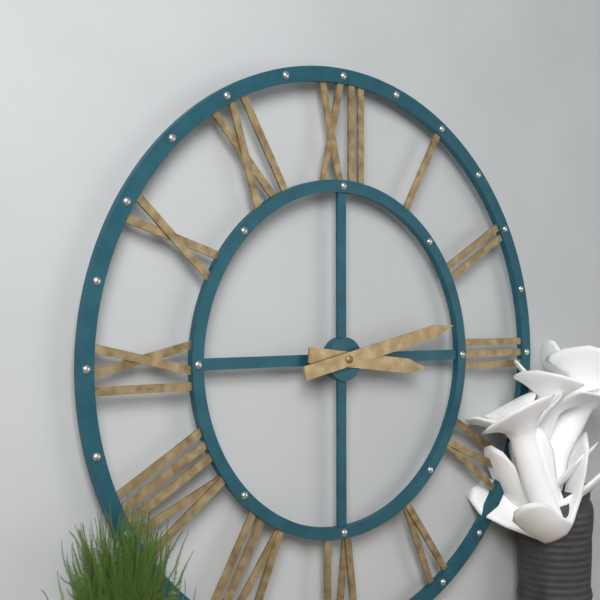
**3:13**
